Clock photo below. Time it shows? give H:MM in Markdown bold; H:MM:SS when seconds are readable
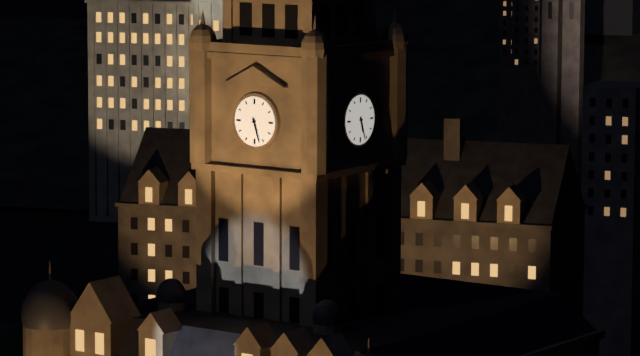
**5:27**
